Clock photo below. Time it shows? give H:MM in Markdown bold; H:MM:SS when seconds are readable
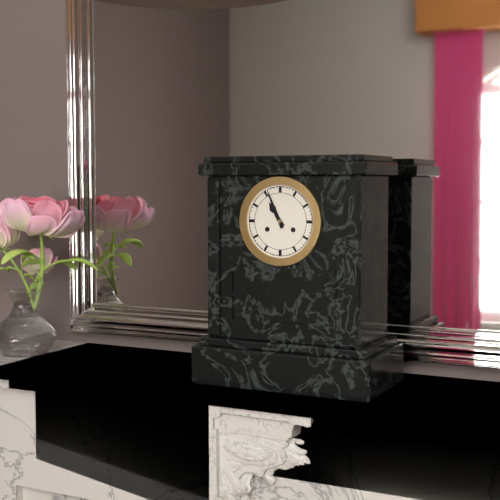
**10:56**
